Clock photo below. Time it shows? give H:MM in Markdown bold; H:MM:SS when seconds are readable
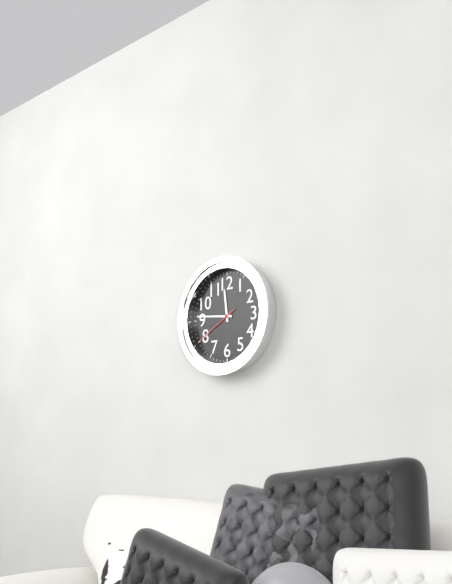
**11:46**
